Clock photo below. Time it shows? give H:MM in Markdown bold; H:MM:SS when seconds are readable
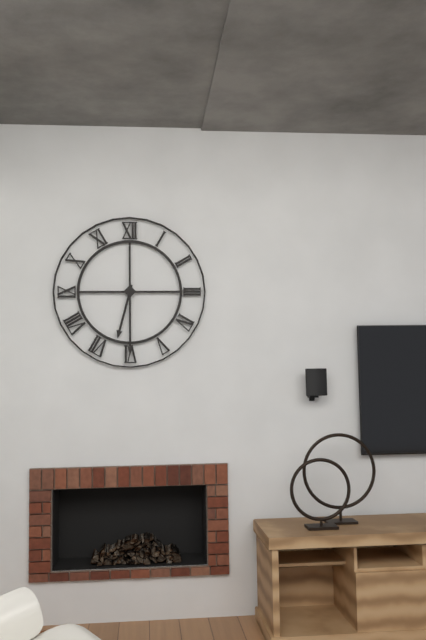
**6:30**
